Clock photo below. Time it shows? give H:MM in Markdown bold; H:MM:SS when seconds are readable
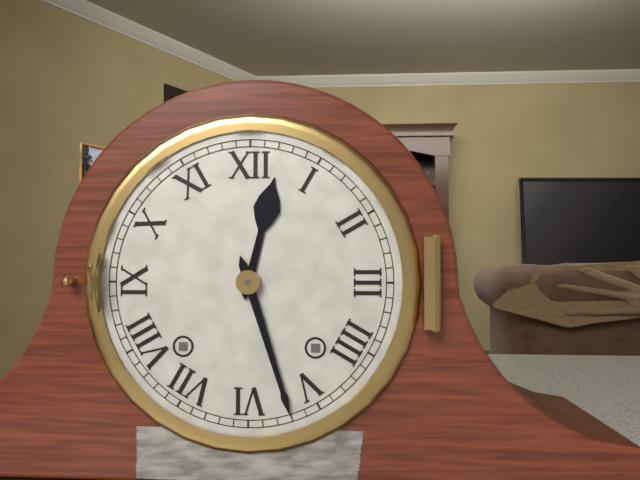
**12:27**
